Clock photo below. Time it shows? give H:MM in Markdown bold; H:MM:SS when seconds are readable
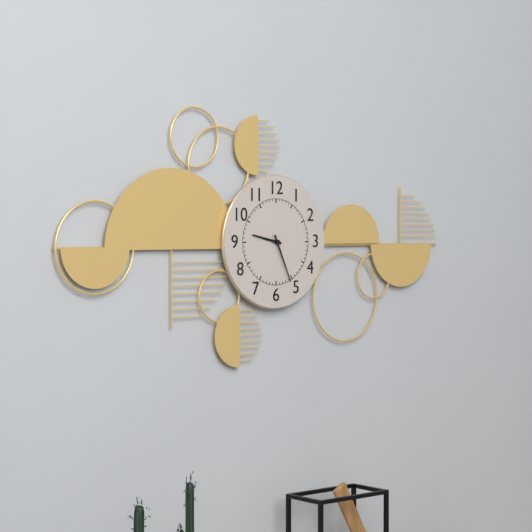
**9:26**
